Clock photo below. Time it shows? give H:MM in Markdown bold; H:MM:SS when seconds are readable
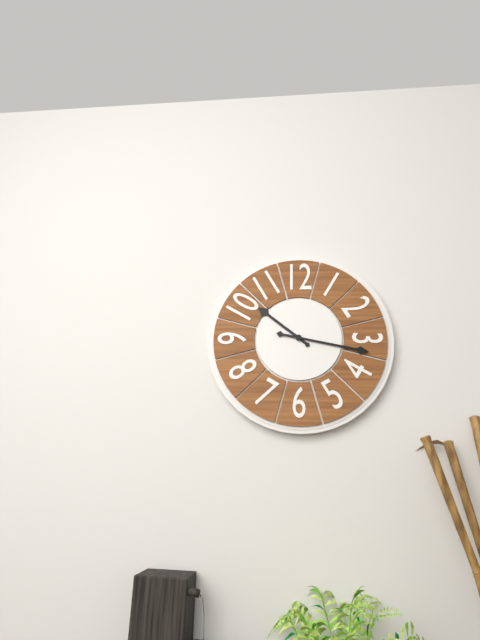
**10:17**
